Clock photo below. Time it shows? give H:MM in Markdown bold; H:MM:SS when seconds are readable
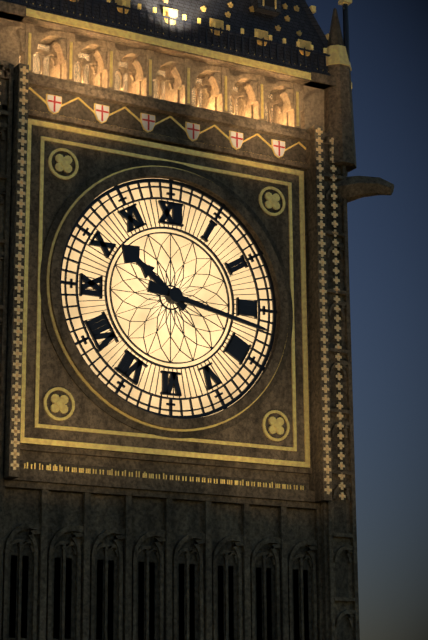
**10:17**
